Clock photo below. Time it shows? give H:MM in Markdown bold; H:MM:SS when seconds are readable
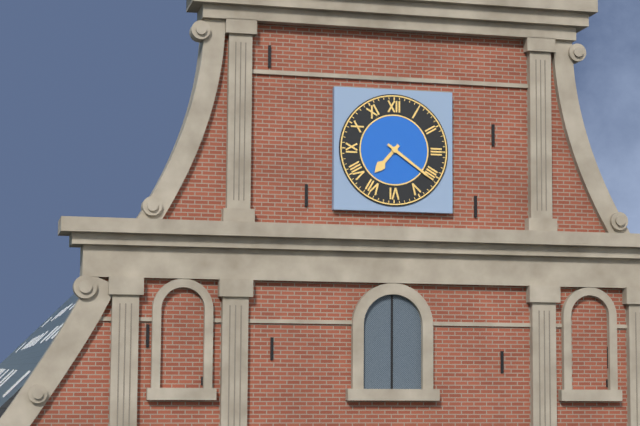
**7:21**
